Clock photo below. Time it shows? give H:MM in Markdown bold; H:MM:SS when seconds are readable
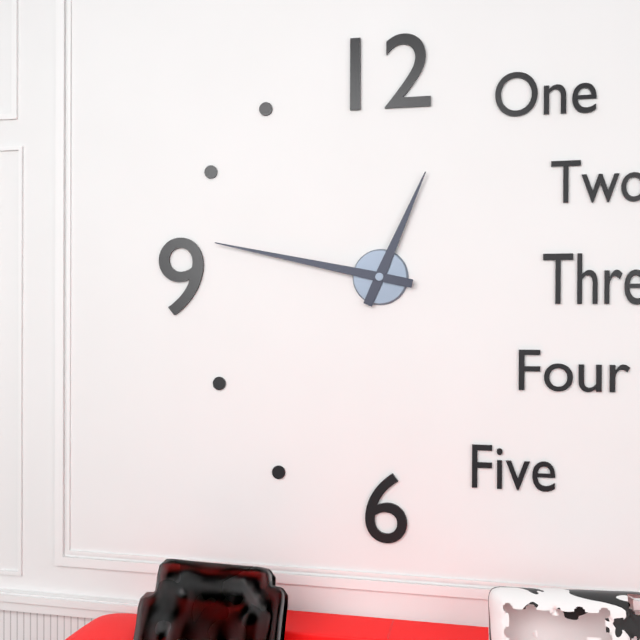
**12:47**
